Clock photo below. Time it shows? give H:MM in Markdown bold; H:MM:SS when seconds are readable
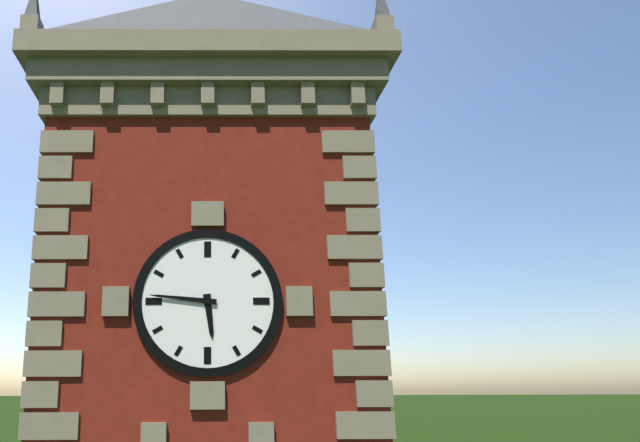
**5:46**
